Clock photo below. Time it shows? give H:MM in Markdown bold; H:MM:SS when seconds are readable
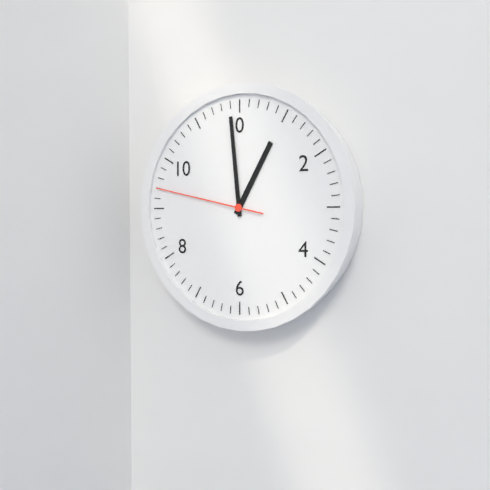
**12:59:47**
